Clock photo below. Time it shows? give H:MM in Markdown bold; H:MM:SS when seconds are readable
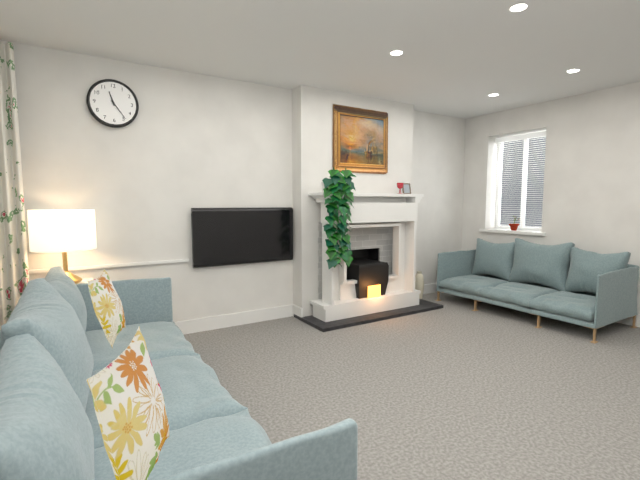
**11:24**
